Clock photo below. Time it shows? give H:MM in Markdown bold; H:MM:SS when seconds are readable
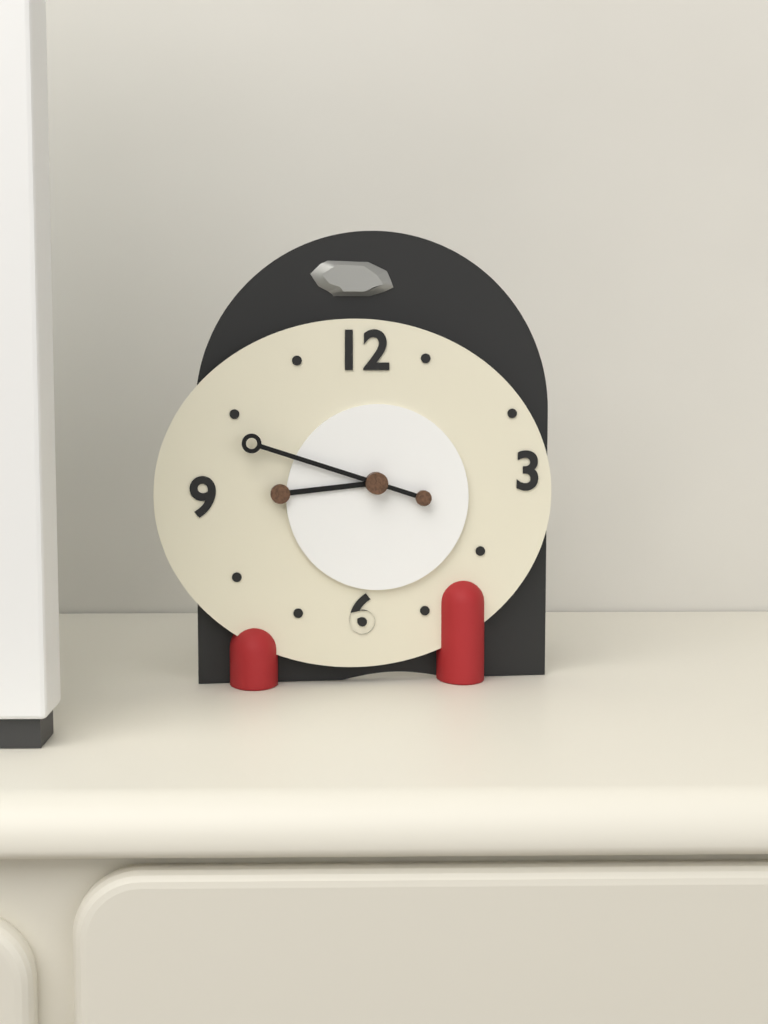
**8:48**
